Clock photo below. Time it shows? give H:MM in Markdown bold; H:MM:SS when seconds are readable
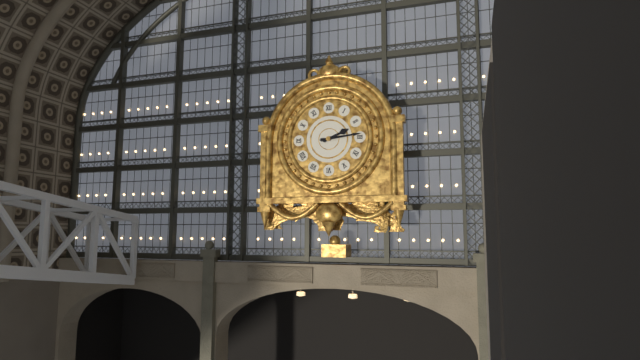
**2:14**
